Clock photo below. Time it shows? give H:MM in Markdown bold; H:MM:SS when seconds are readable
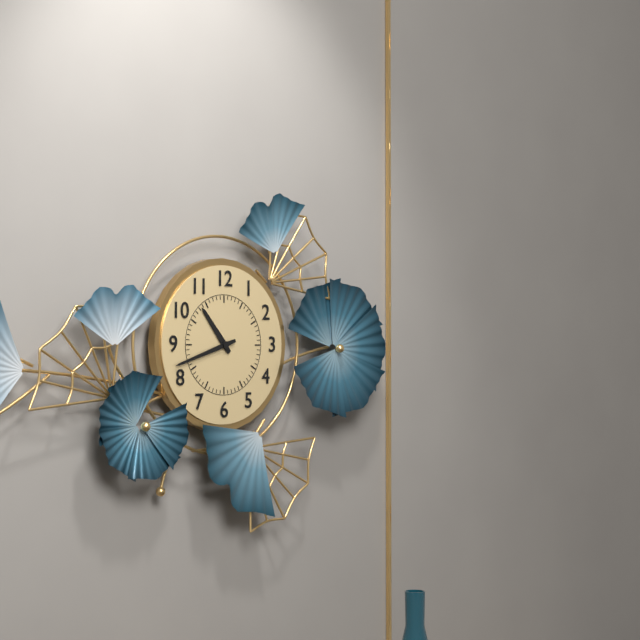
**10:42**
